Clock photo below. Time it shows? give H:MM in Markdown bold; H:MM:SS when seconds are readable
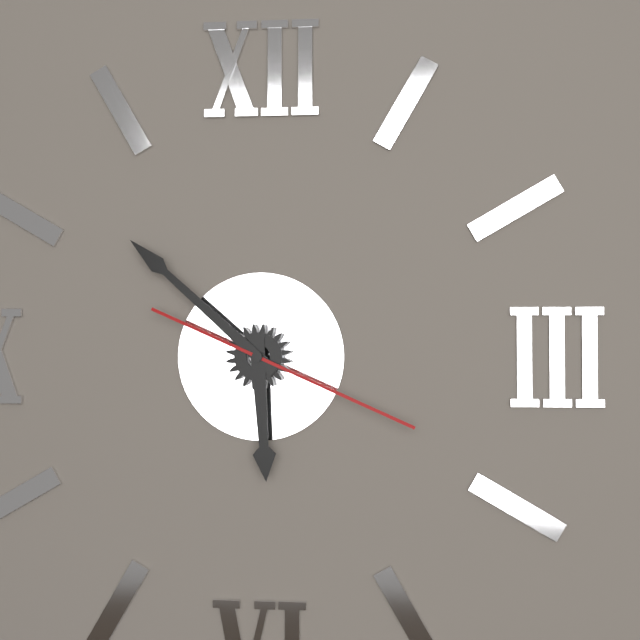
**5:52:19**
